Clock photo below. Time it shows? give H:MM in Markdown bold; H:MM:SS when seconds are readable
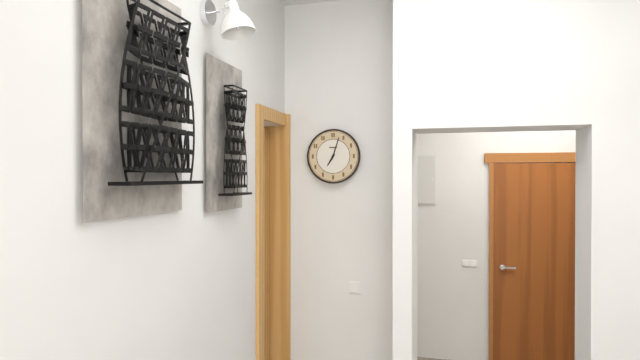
**7:03**
